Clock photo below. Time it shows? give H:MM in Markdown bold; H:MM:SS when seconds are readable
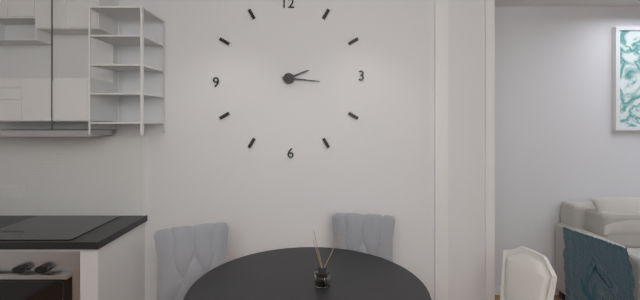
**2:16**
